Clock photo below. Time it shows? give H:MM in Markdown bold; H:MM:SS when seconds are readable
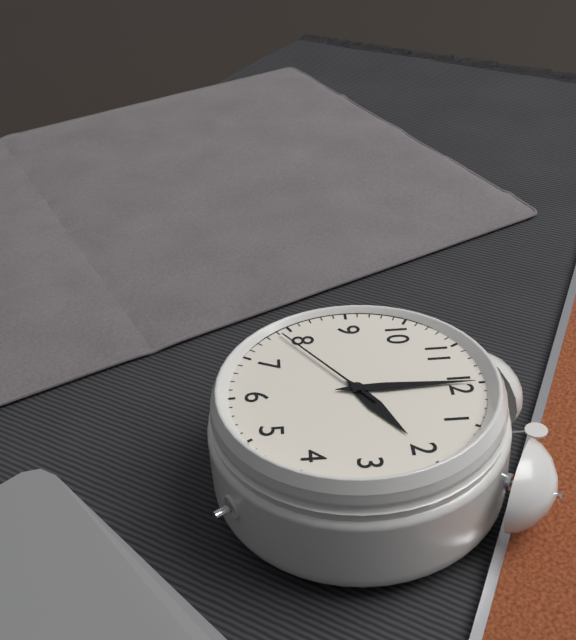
**2:00:39**
